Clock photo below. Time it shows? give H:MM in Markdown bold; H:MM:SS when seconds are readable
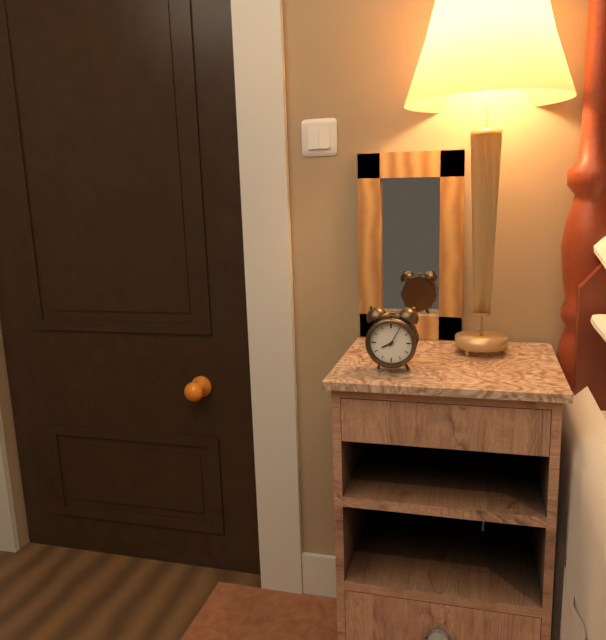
**8:05**
